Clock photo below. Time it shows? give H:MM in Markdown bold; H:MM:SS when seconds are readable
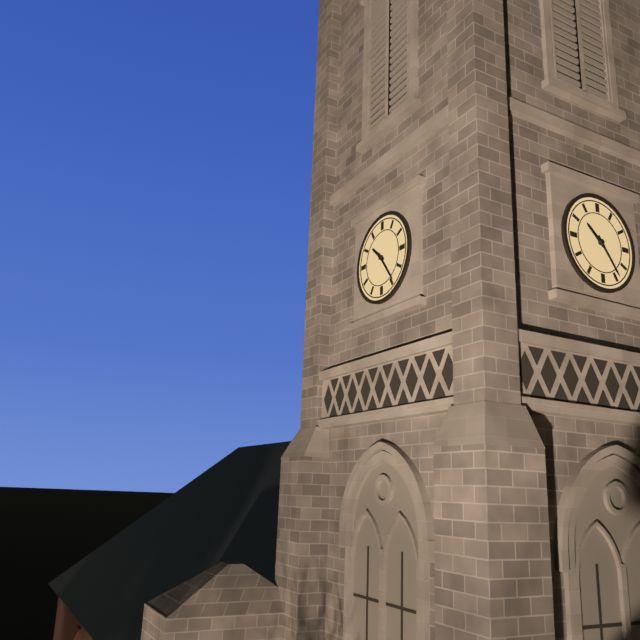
**10:24**
